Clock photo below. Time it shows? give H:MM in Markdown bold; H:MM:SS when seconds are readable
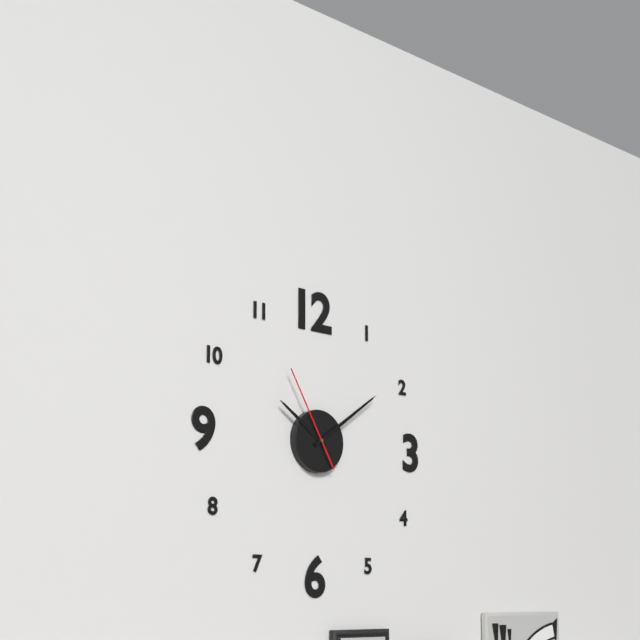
**10:09:55**
